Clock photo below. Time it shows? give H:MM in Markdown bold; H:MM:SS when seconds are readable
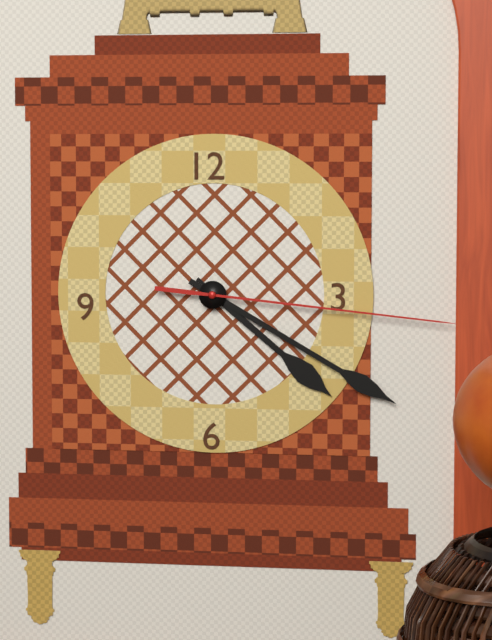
**4:20:16**
